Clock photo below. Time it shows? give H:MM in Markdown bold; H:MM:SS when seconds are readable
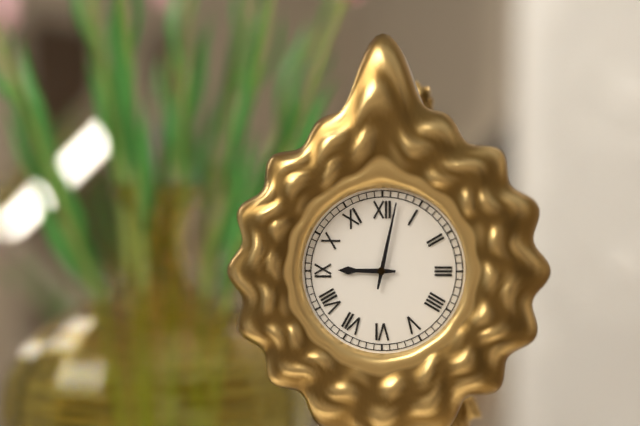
**9:02**
